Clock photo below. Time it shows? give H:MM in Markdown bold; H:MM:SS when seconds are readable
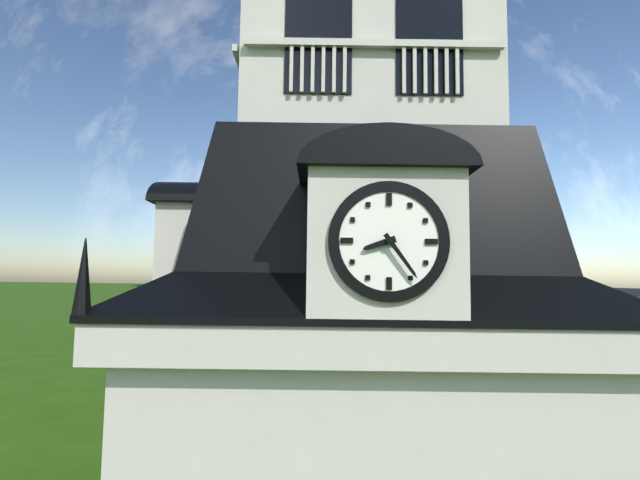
**8:24**
